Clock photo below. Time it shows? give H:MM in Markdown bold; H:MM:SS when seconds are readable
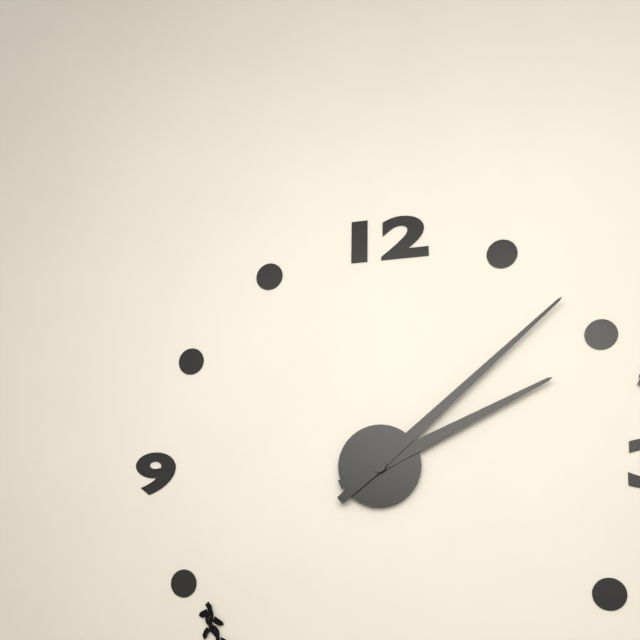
**2:08**
